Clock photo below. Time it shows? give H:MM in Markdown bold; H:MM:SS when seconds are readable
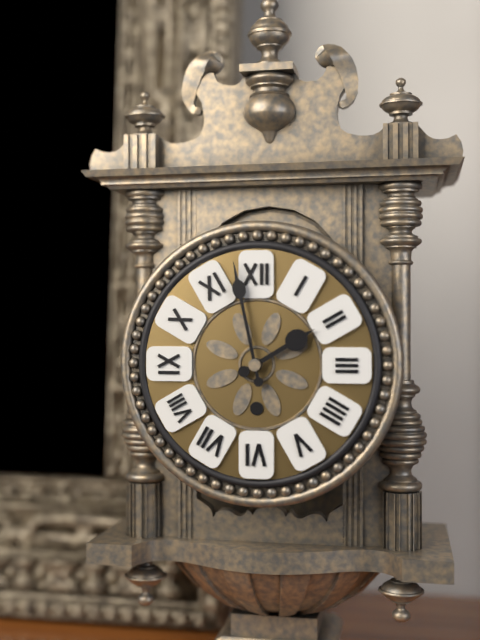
**1:58**
